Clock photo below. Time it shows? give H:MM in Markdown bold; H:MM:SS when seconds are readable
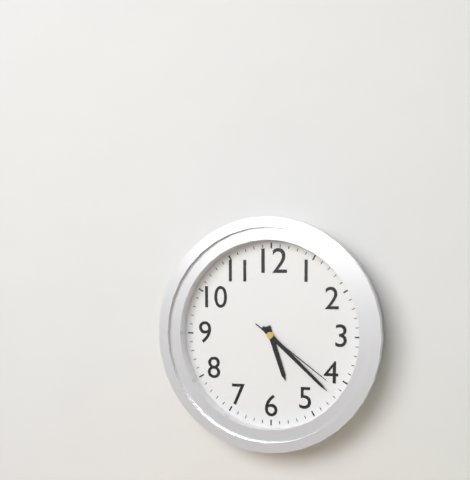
**5:22:21**
